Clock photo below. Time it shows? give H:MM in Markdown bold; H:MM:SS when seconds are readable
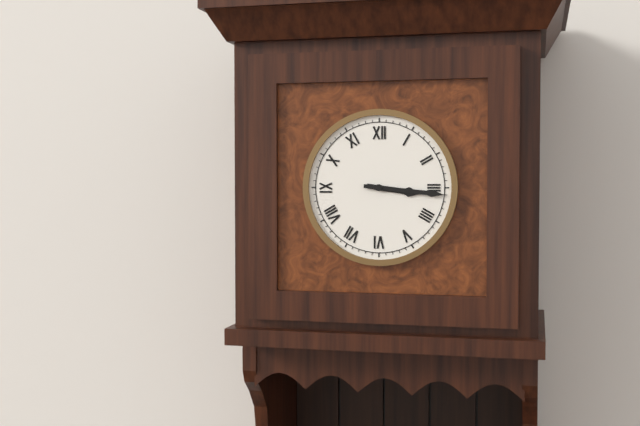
**3:16**
